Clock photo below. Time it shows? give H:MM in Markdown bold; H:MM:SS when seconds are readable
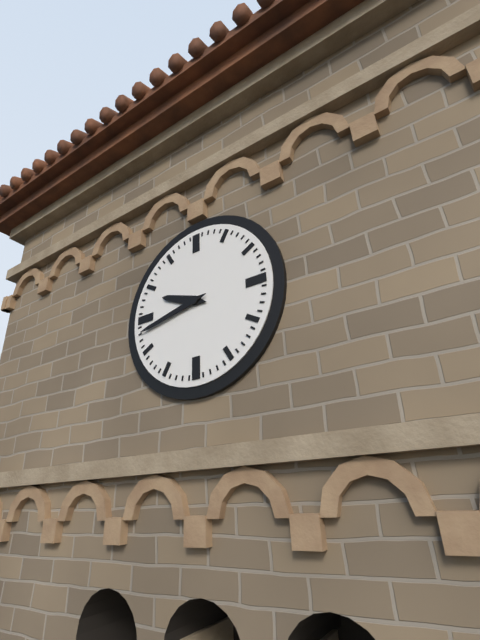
**9:43**
